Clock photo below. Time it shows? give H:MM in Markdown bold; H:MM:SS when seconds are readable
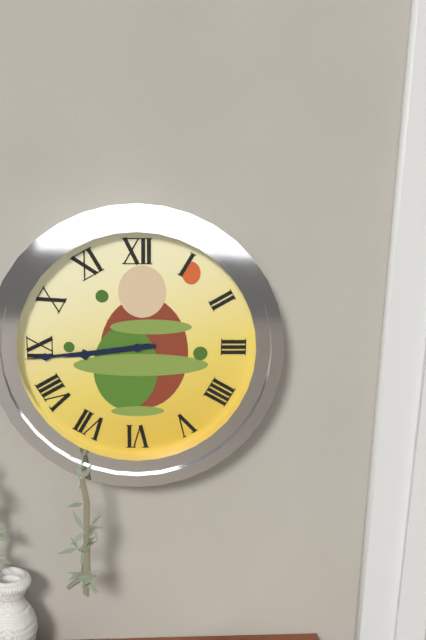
**8:44**
